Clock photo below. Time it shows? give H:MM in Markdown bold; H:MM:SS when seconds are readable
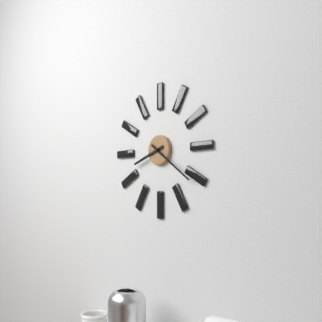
**8:21**
